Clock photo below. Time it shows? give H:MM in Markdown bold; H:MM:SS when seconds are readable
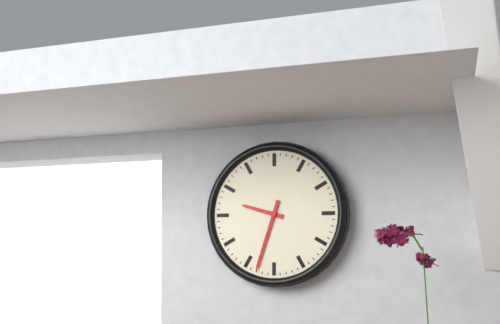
**9:33**
